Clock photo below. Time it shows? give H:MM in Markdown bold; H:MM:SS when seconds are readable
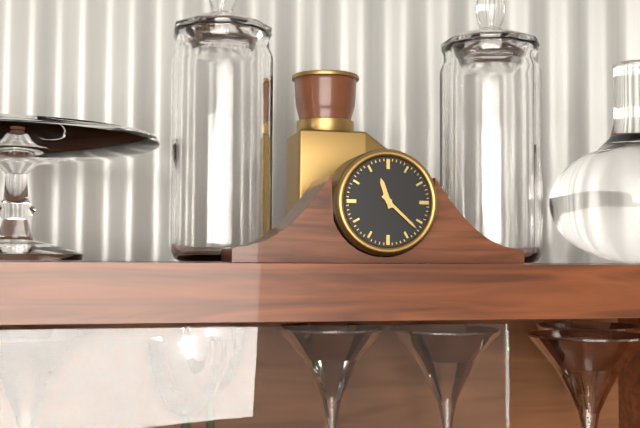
**11:22**
